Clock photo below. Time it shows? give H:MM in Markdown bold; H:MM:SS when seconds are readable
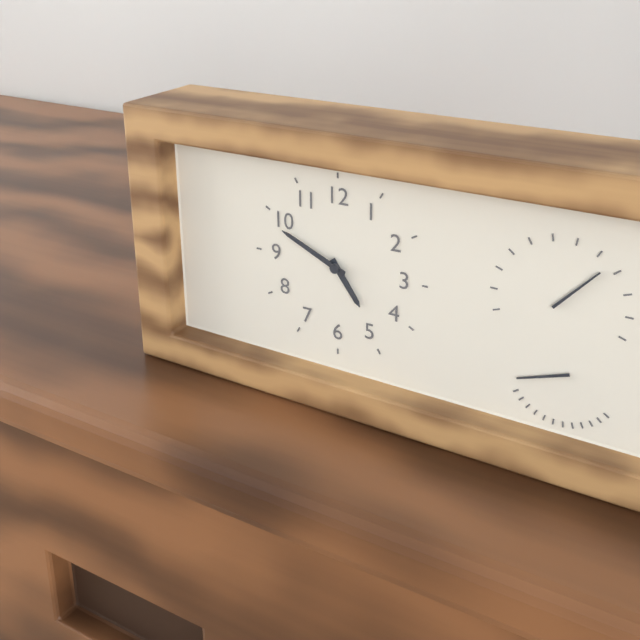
**4:49**
